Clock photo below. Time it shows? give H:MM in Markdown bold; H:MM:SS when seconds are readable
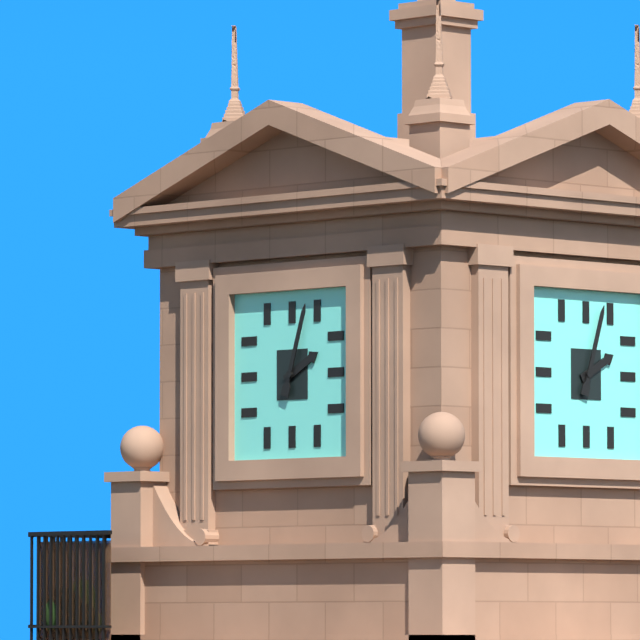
**2:03**
